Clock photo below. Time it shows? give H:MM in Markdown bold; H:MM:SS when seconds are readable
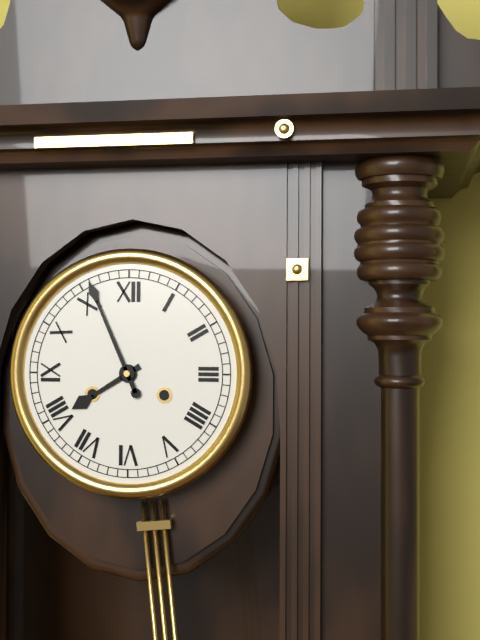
**7:56**
